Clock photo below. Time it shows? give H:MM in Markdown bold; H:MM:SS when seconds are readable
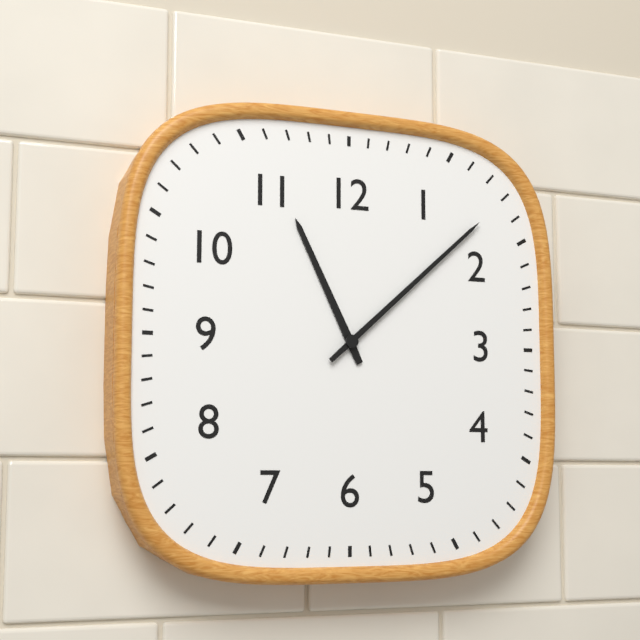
**11:08**
